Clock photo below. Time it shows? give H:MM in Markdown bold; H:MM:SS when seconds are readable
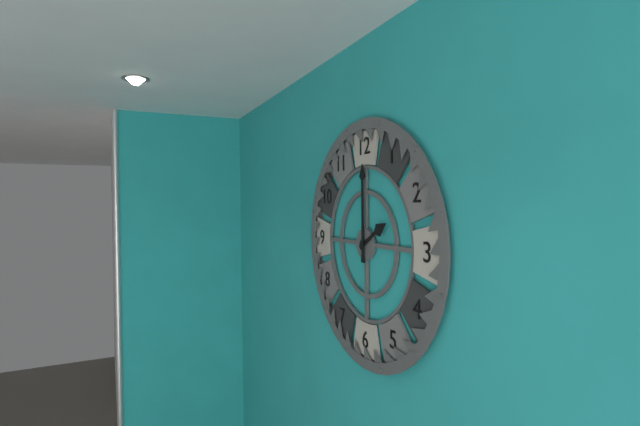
**2:00**
